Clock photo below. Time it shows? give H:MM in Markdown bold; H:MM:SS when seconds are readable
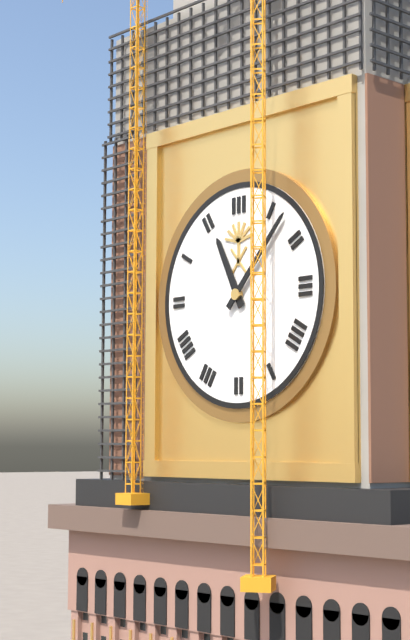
**11:07**
